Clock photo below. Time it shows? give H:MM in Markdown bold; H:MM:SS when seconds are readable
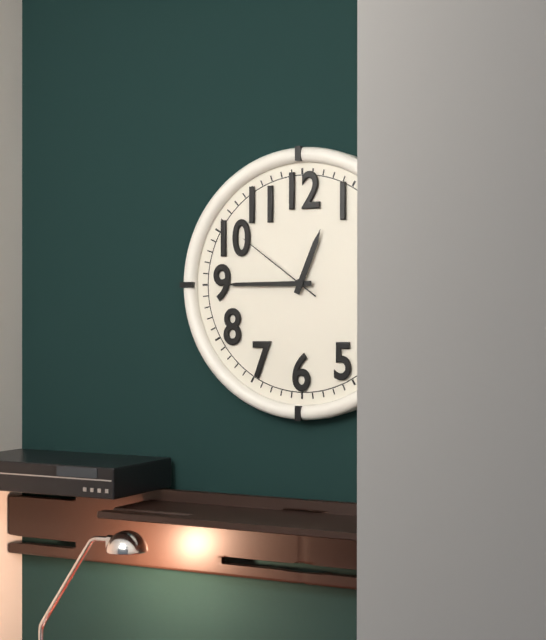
**12:45:51**
